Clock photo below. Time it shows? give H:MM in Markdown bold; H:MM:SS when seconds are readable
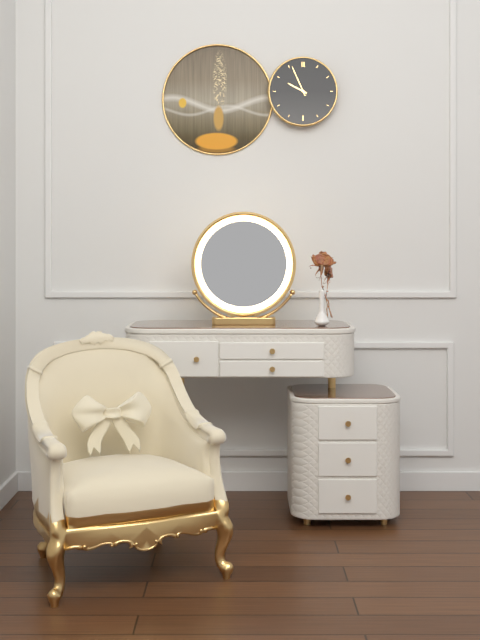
**9:56**
